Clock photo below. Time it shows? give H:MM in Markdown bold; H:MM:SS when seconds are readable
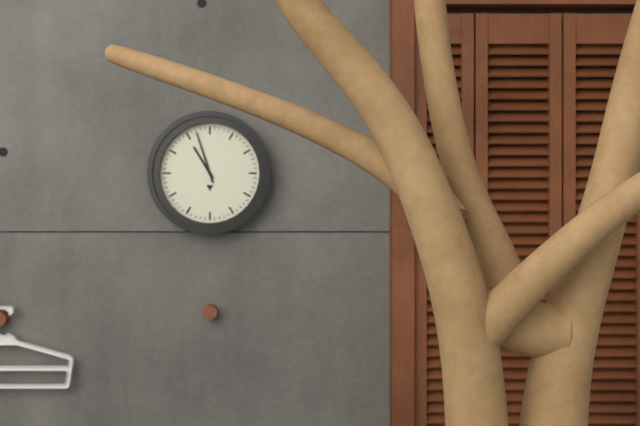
**10:57**
